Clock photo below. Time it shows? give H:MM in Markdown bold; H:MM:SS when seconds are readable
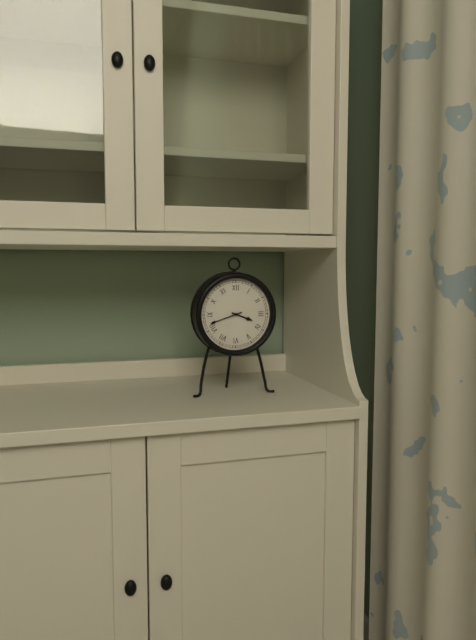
**3:42**
